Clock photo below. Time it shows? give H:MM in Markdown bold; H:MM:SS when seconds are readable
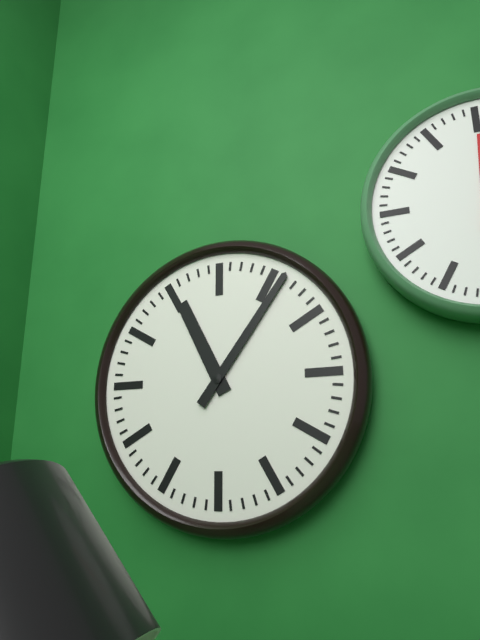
**11:06**
